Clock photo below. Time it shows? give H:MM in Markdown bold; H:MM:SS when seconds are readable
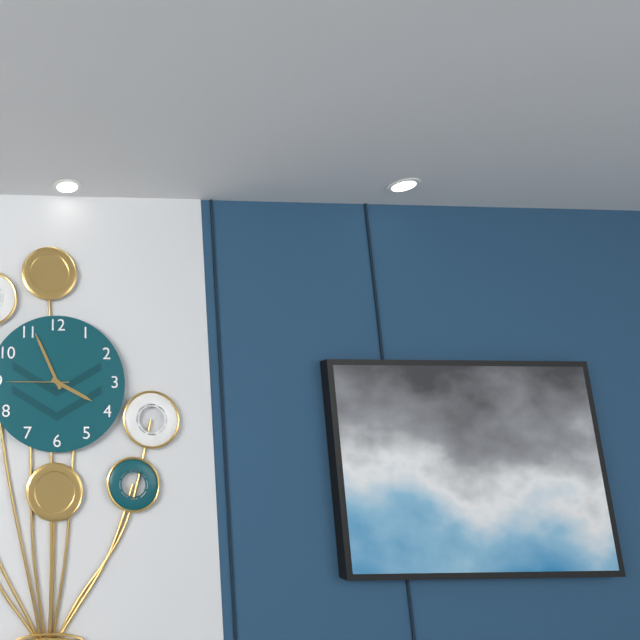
**3:56:45**
